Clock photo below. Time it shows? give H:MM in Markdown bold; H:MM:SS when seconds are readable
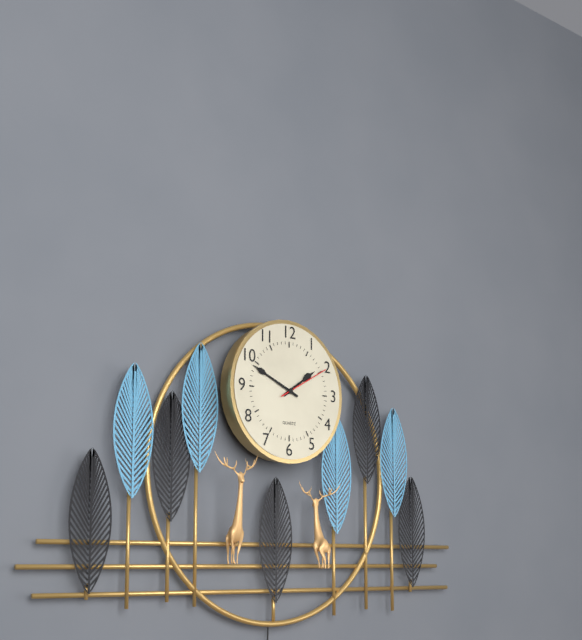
**1:49:10**
